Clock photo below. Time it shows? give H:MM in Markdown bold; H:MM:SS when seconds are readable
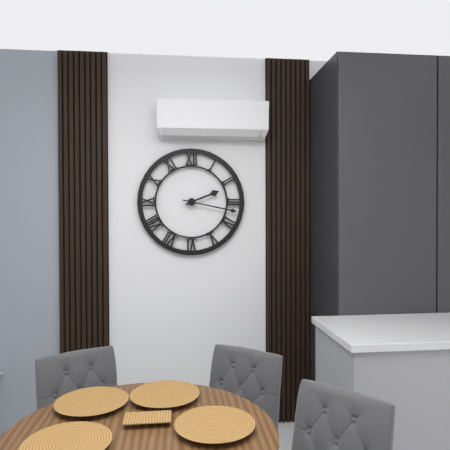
**2:17**
